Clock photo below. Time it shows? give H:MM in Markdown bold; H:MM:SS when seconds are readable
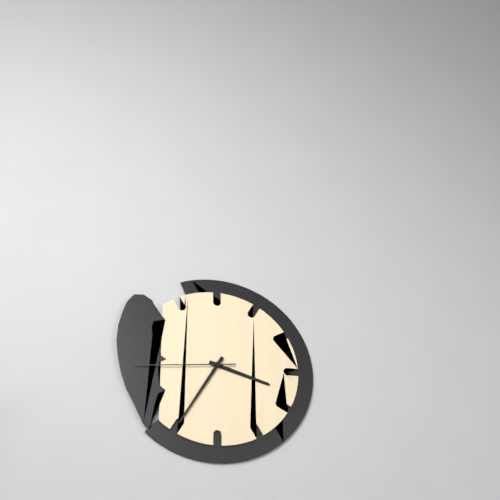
**3:35:44**
